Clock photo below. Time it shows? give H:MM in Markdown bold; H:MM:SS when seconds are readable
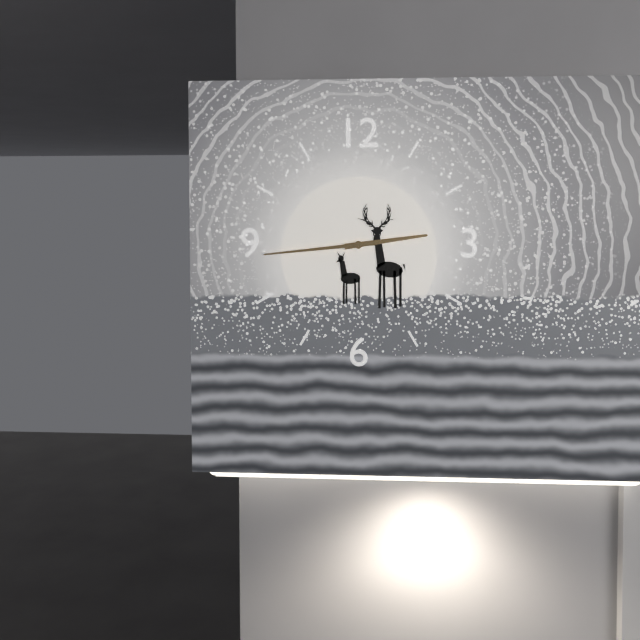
**2:44**
